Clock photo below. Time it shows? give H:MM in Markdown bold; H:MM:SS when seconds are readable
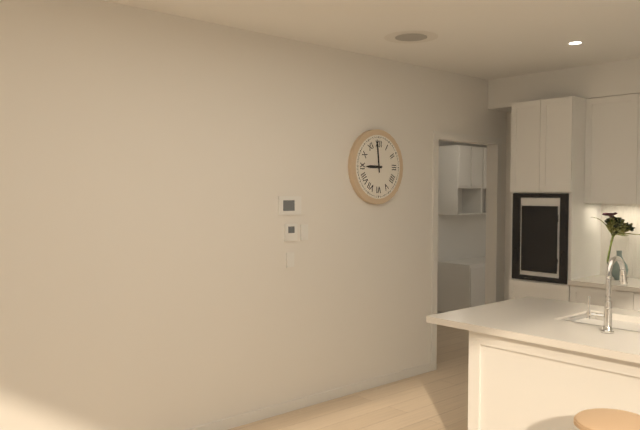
**8:59**
